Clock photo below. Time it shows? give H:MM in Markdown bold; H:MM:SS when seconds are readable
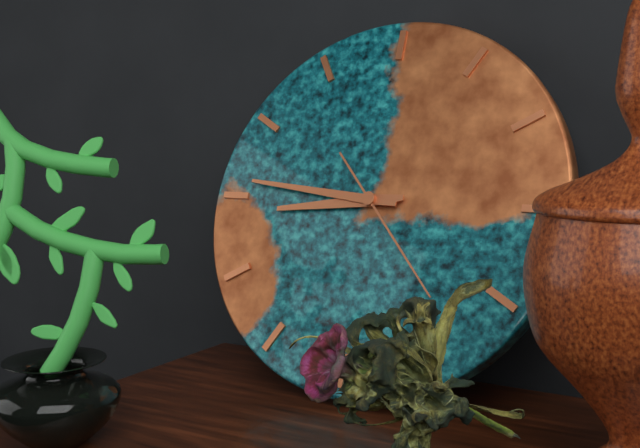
**8:46:23**
